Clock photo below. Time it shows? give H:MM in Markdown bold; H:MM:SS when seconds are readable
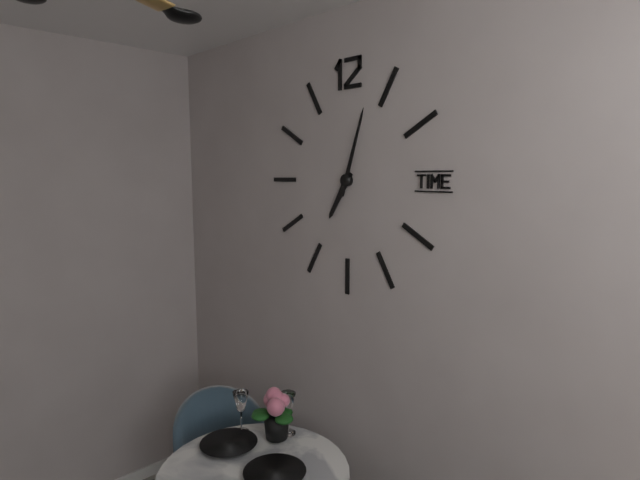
**7:03**
